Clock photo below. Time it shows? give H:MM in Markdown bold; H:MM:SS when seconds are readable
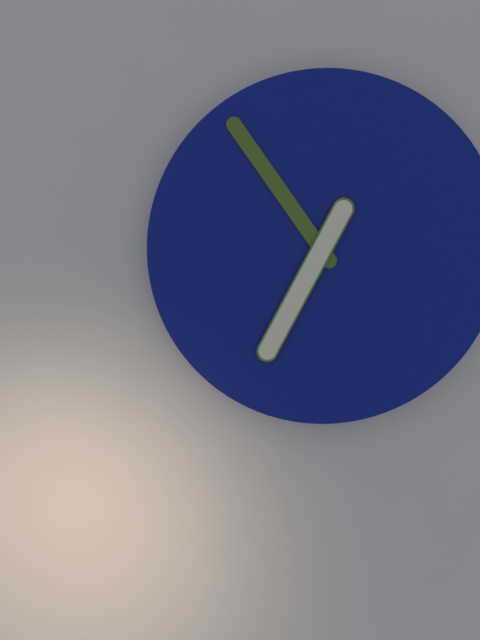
**6:54**
